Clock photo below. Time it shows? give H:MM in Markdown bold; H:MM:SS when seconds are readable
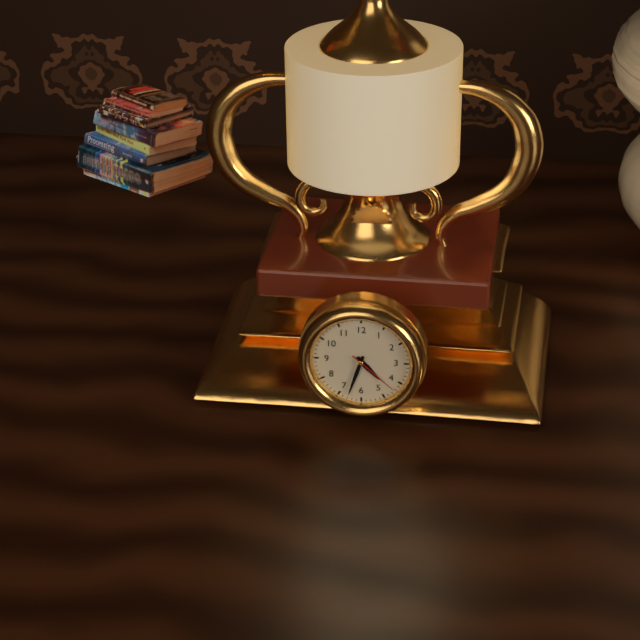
**4:33:22**
